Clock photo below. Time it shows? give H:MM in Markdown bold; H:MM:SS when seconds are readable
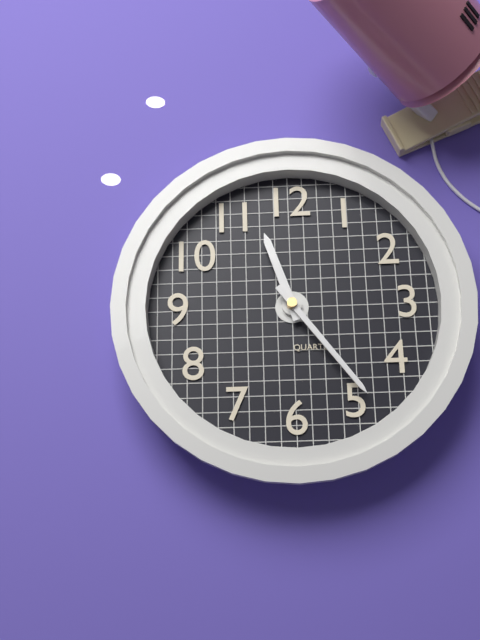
**11:24**
